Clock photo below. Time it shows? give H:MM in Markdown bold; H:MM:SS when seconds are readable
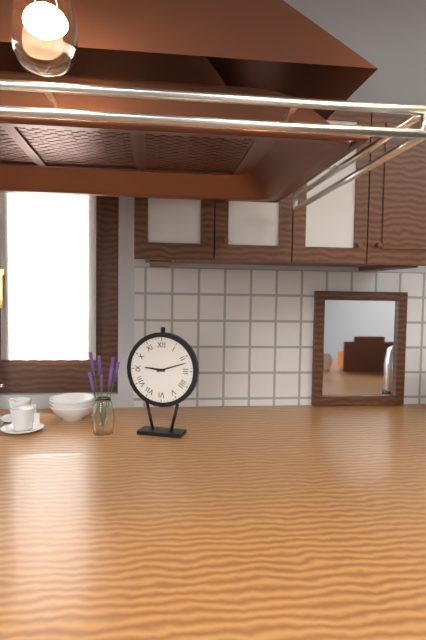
**9:12**
